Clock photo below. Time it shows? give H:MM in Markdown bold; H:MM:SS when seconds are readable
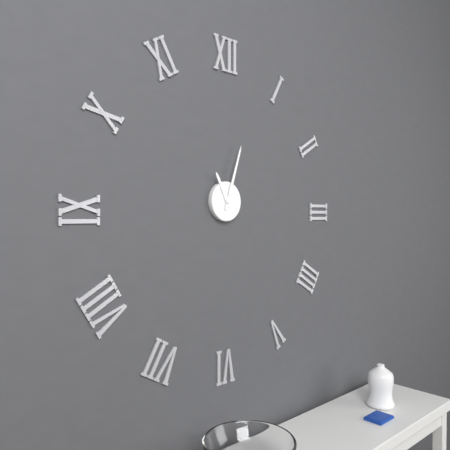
**11:03**
